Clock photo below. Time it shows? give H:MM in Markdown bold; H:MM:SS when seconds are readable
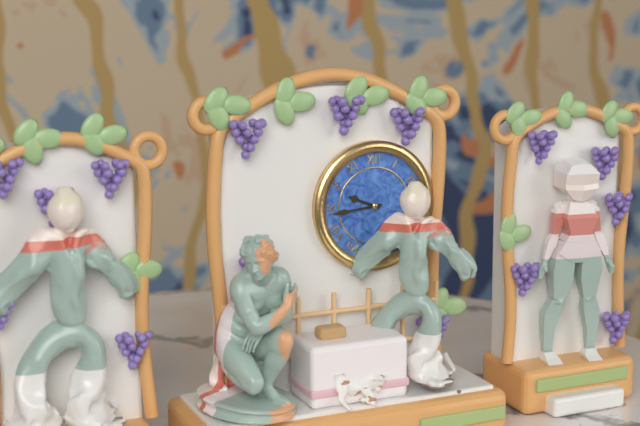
**9:44**
